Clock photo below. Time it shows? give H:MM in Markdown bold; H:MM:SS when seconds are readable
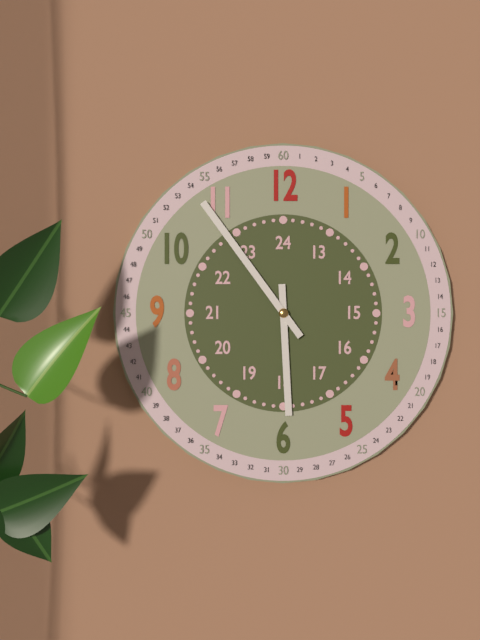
**5:54**
